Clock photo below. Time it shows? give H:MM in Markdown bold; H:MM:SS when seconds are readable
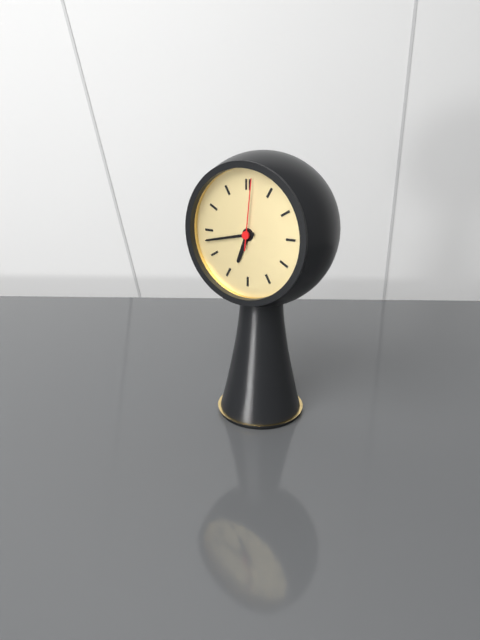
**6:43:01**
